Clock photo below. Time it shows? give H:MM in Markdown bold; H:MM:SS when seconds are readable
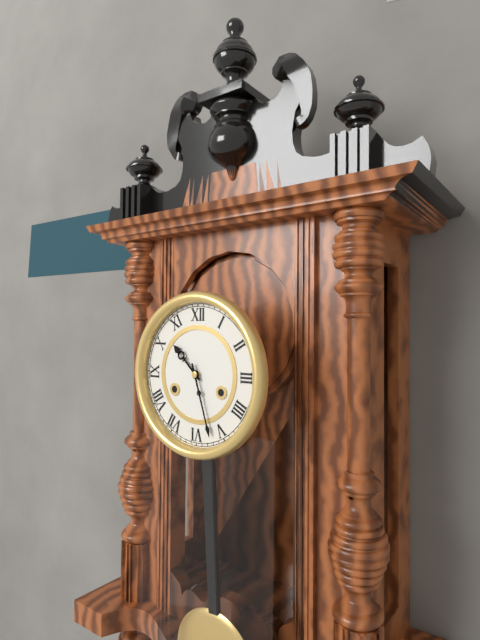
**10:27**
